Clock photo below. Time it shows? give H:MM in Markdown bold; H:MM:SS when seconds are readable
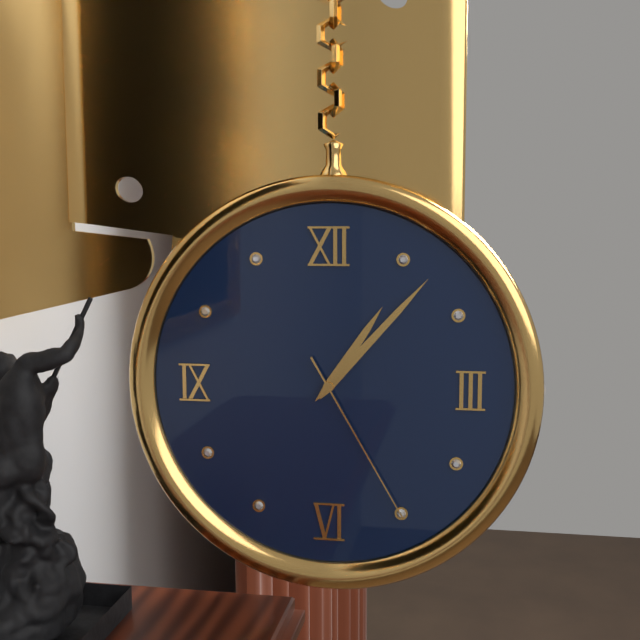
**1:07:25**
